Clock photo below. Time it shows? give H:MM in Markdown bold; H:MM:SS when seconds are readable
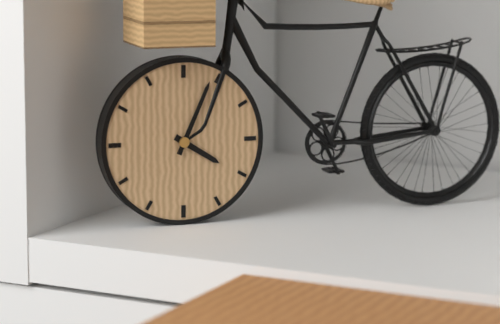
**4:04**
